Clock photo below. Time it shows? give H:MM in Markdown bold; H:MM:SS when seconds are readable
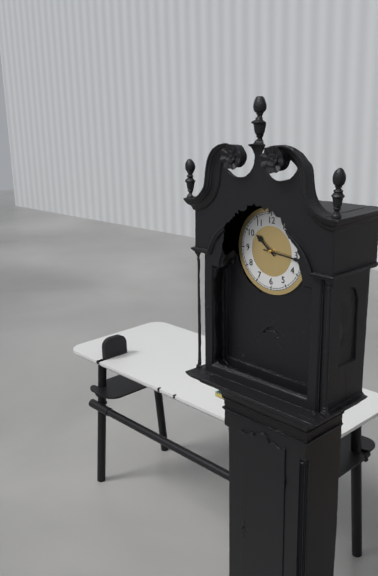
**10:16**
